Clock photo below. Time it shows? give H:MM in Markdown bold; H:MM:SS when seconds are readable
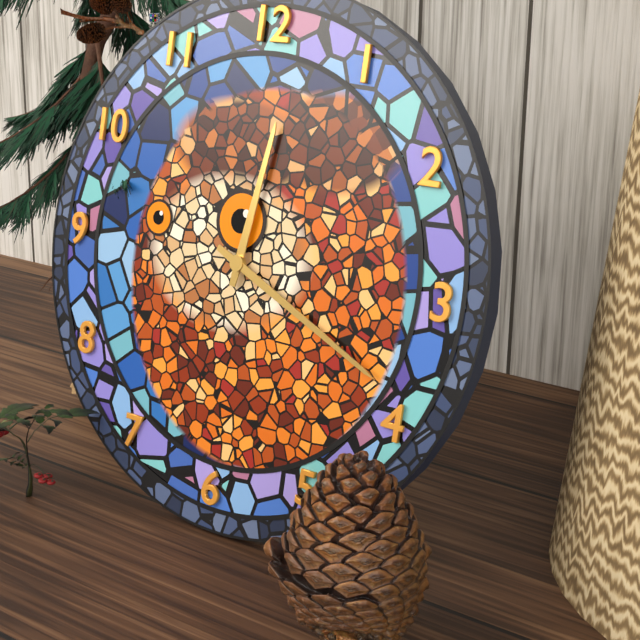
**12:19**
